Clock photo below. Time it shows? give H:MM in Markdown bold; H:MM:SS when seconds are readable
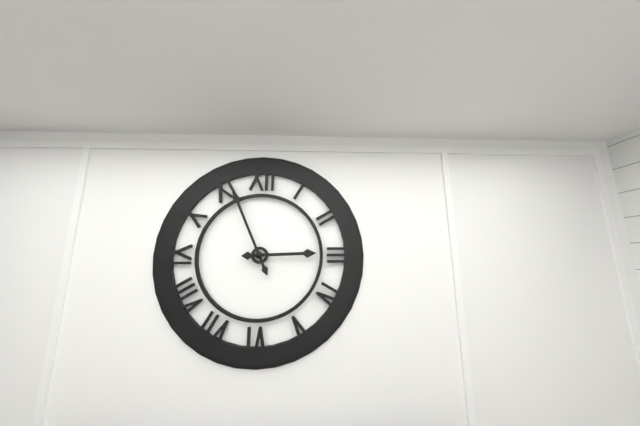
**2:56**
